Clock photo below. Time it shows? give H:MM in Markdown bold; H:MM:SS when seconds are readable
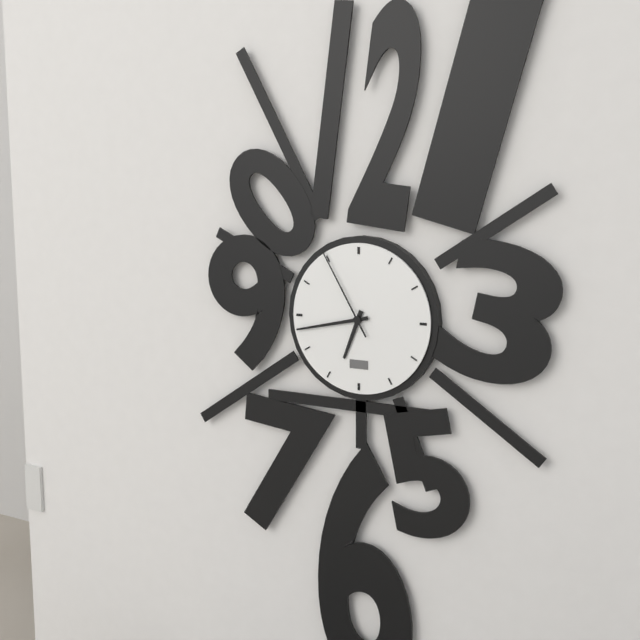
**6:43:55**
